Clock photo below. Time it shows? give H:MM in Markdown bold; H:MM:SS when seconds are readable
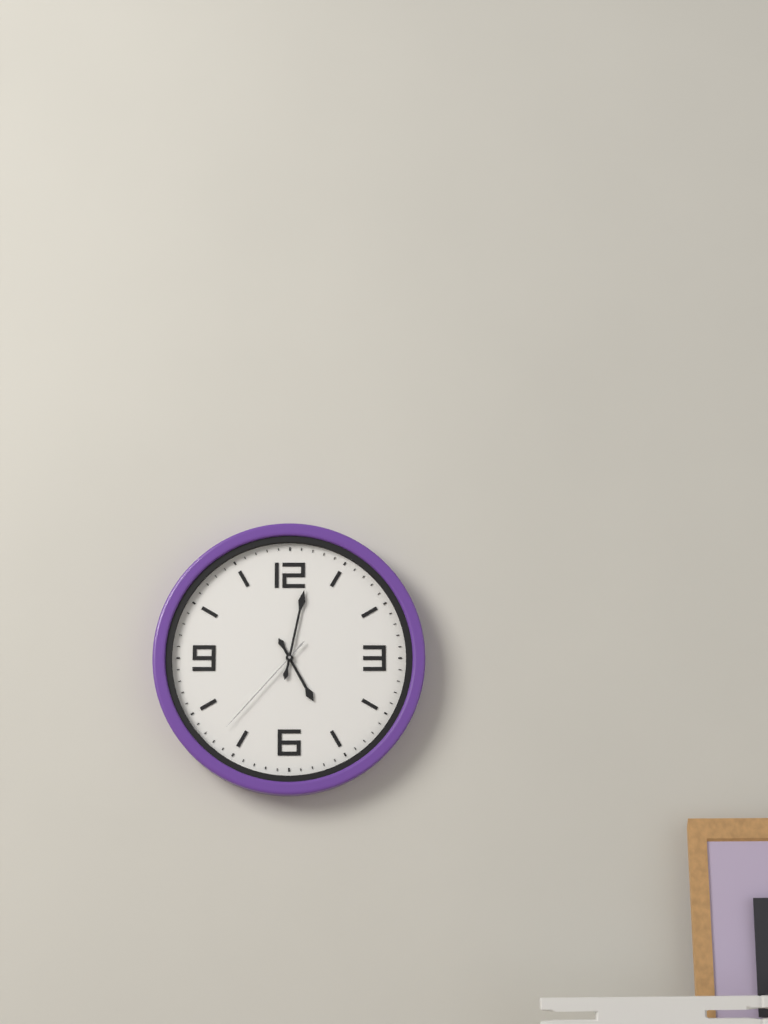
**5:02:37**
